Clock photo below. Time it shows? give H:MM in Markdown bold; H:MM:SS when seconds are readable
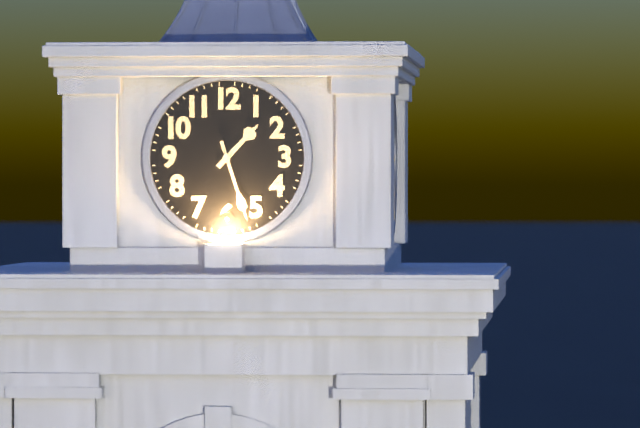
**1:27**
